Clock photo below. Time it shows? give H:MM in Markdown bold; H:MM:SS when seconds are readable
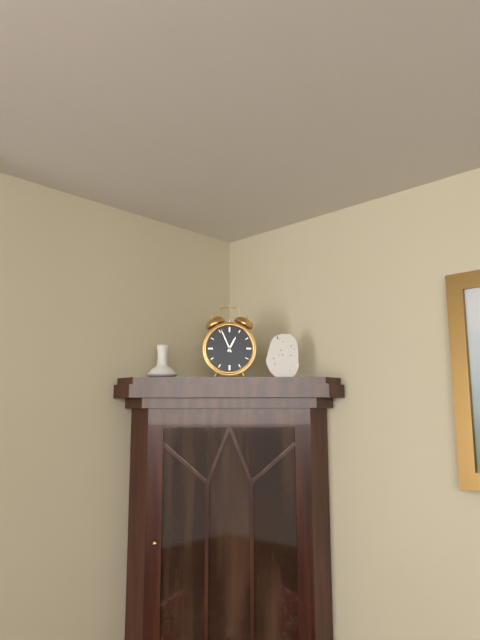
**12:56**
